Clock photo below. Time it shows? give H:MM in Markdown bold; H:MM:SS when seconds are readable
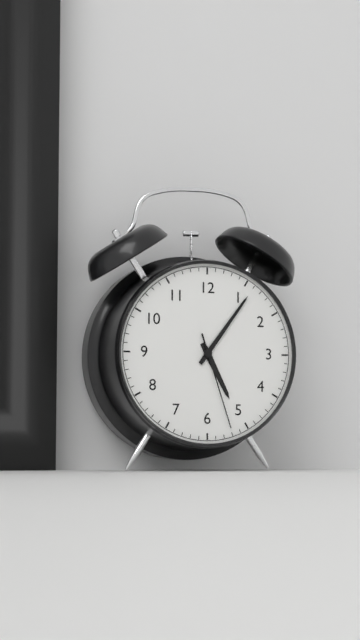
**5:06:27**
